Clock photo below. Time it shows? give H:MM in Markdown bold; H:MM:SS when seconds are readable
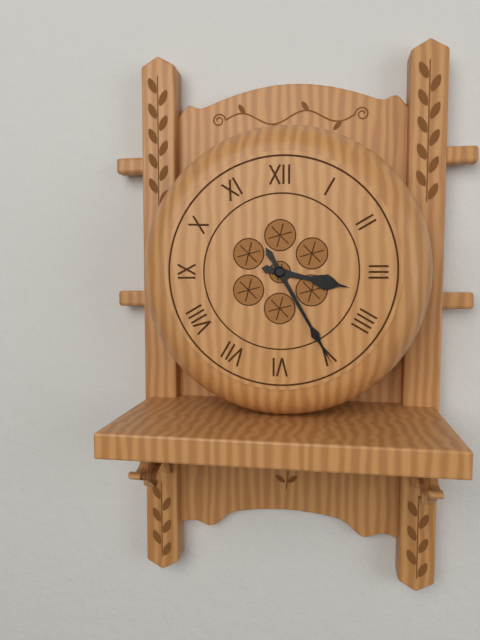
**3:25**
